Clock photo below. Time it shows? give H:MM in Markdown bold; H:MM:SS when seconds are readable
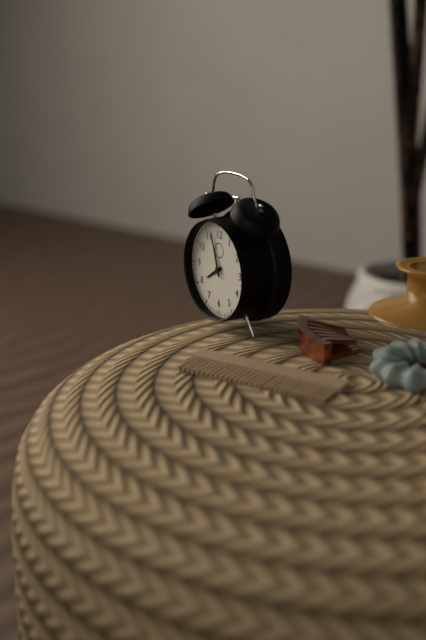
**7:57**
